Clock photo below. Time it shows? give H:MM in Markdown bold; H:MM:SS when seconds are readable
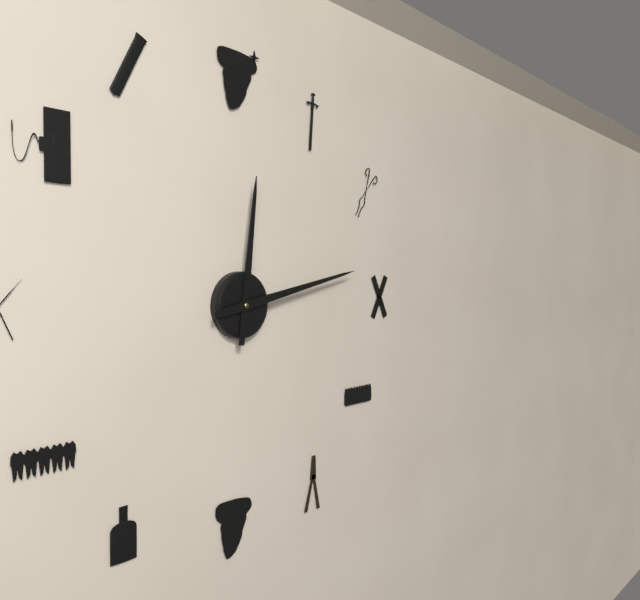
**12:13**
